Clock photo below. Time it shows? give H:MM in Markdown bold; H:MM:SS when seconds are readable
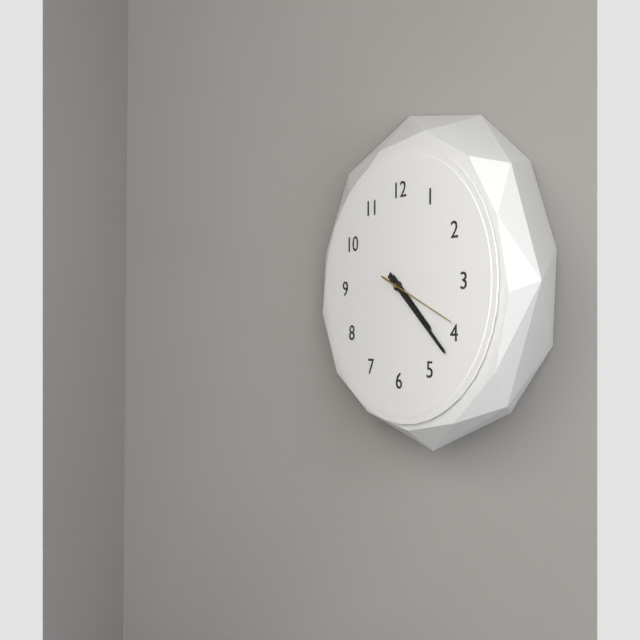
**4:22:19**
